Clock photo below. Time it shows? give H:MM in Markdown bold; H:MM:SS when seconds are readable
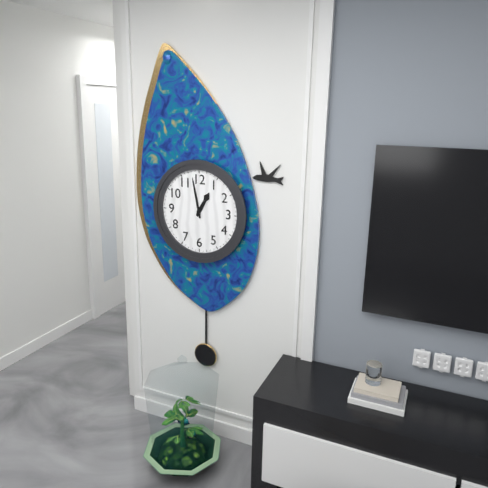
**12:58**
